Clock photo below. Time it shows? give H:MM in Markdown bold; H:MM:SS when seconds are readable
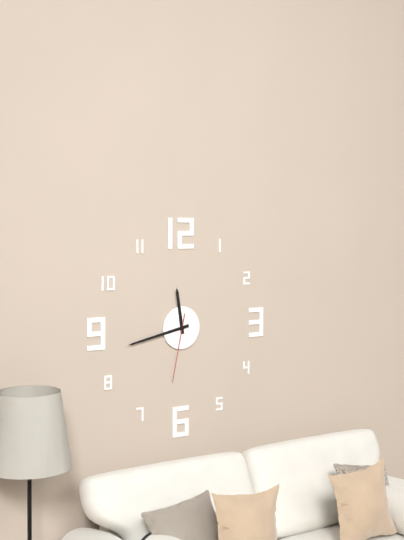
**11:43:32**
